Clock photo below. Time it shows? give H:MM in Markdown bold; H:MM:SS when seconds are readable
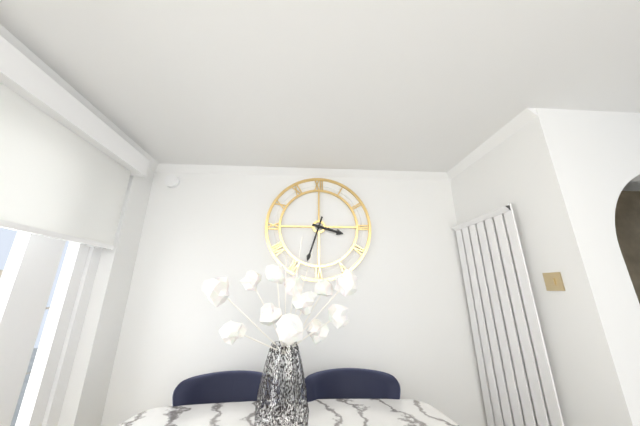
**3:33**
